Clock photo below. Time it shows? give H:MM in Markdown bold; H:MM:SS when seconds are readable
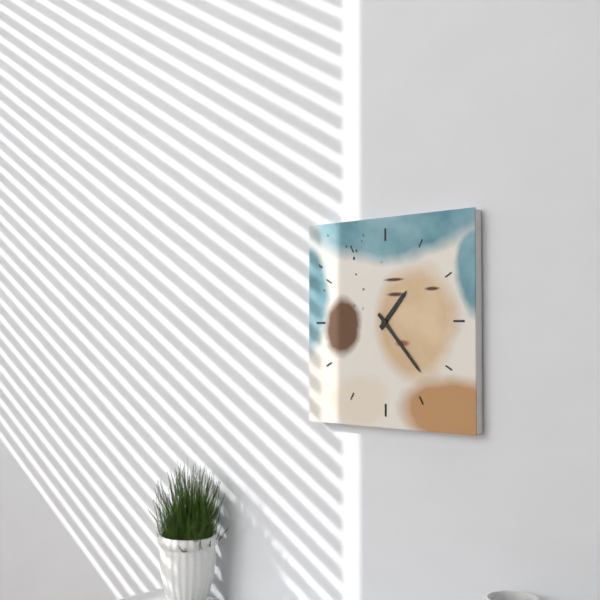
**1:23**
